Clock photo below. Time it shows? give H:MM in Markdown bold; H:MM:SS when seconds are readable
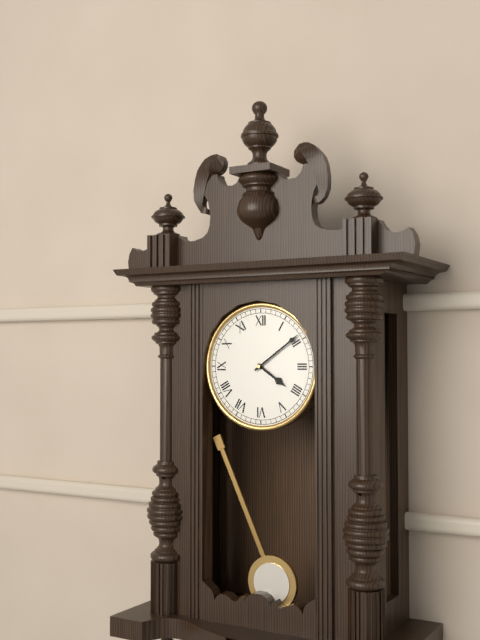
**4:09**
